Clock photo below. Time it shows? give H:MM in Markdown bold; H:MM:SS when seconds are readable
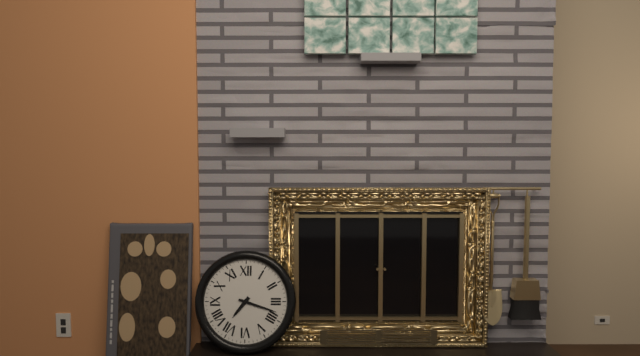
**7:18**
